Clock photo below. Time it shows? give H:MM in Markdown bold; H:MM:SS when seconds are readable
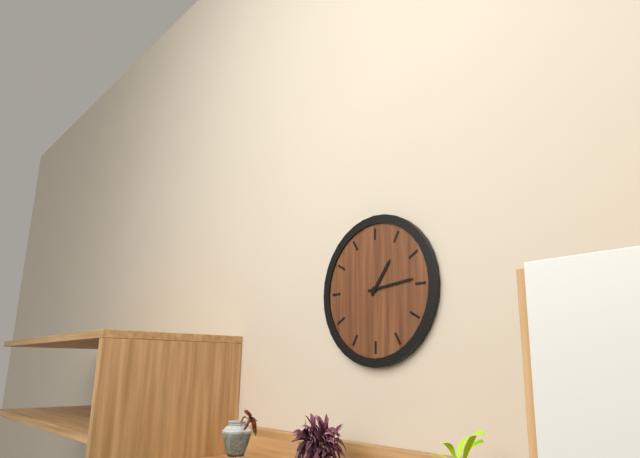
**1:14**
